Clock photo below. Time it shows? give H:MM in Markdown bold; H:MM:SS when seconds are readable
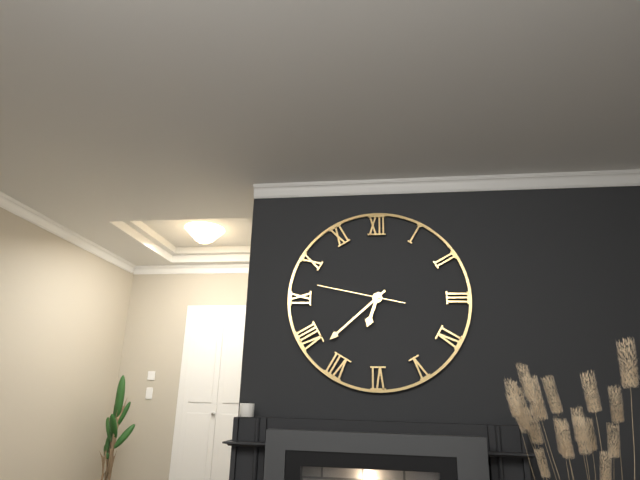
**6:38:47**
